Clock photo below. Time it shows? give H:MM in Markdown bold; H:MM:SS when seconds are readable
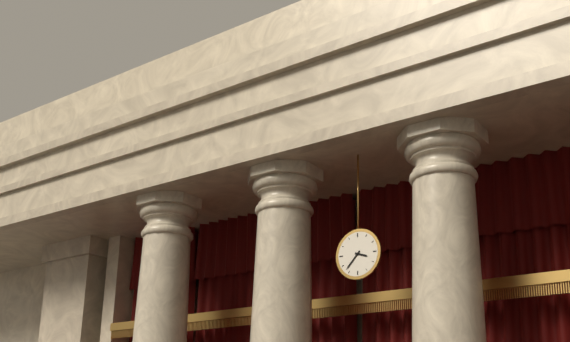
**3:37**
